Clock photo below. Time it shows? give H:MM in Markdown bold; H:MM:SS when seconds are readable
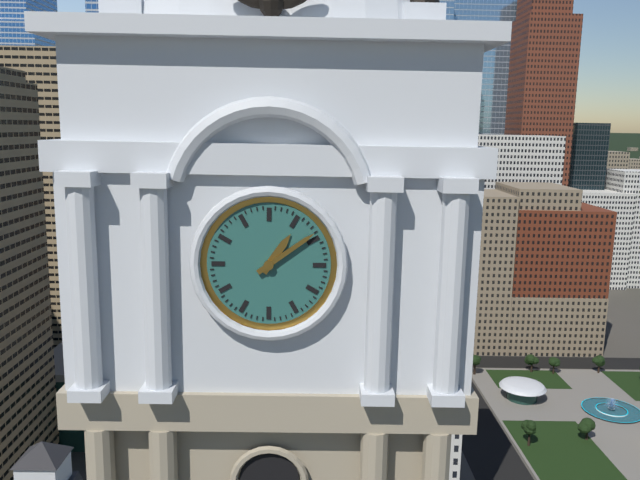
**1:09**
